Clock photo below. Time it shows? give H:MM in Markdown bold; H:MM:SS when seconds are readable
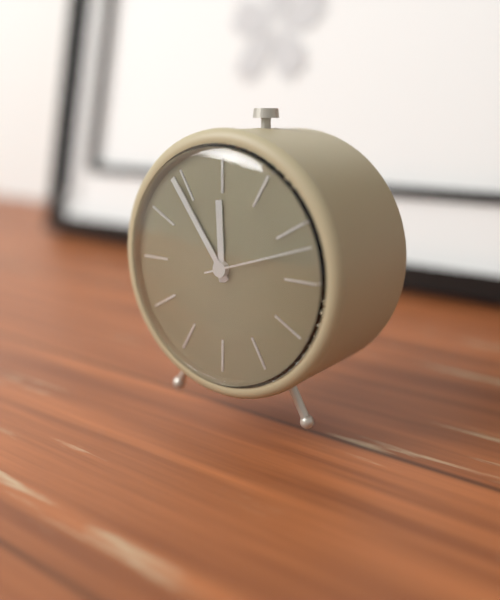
**11:54:12**
